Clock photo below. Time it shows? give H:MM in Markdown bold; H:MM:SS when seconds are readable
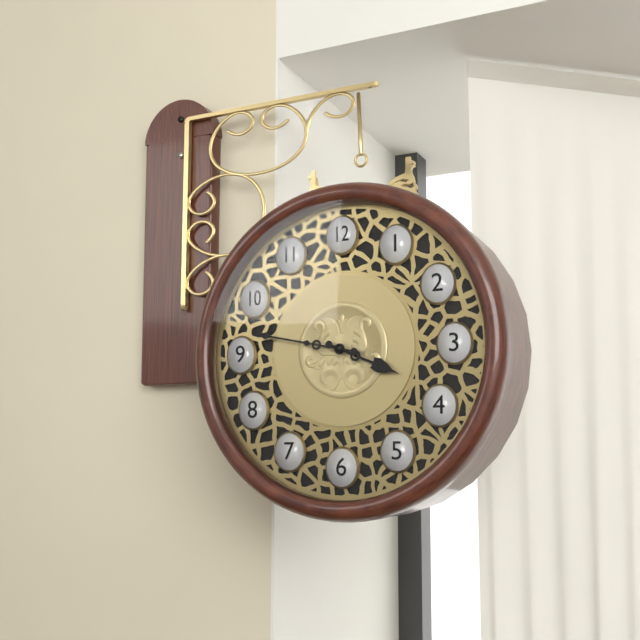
**3:47**
